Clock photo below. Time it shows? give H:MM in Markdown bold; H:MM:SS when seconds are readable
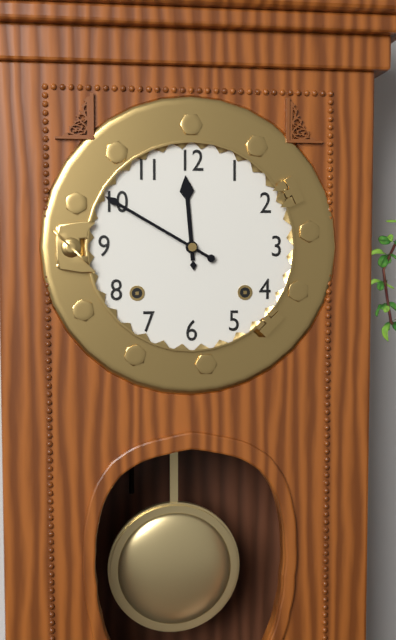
**11:50**
